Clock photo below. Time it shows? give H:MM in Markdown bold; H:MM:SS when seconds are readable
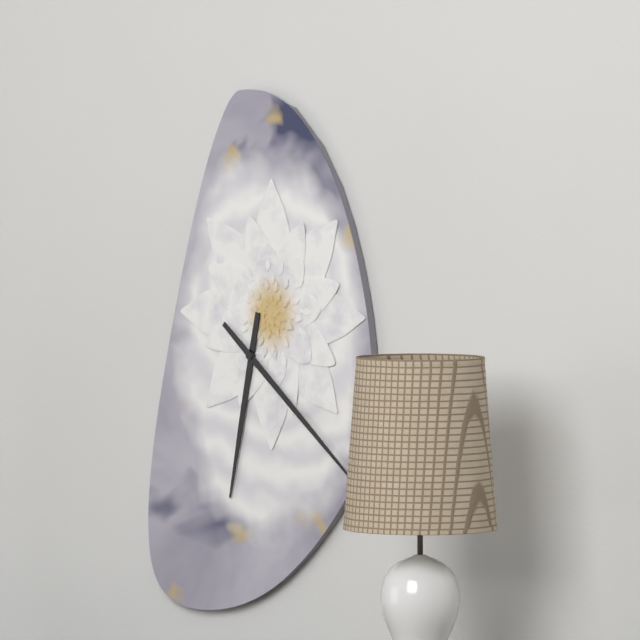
**6:22**
